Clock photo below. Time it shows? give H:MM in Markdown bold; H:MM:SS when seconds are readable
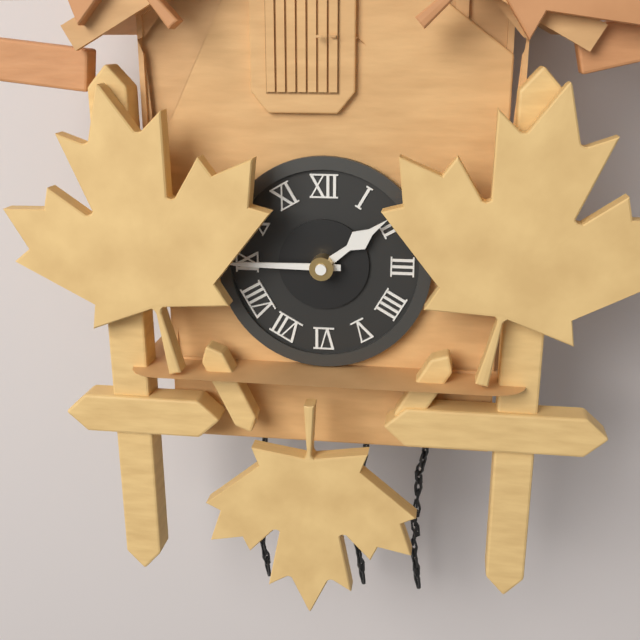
**1:45**
